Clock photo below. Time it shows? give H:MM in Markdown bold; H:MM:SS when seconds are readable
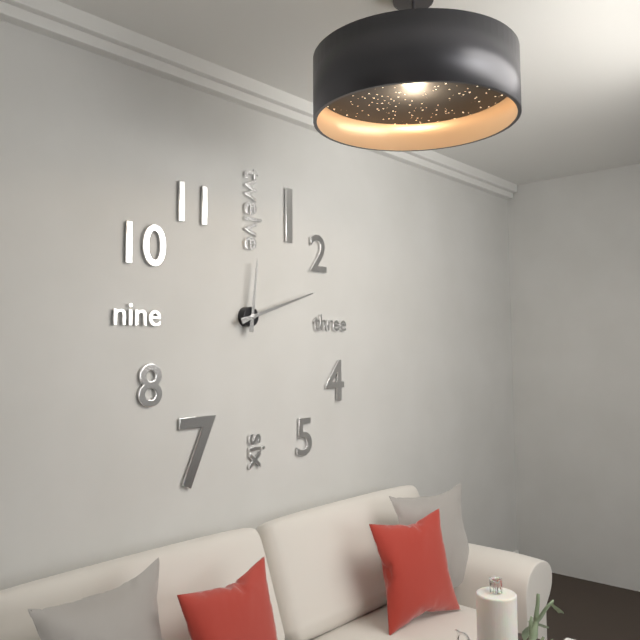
**12:12**
